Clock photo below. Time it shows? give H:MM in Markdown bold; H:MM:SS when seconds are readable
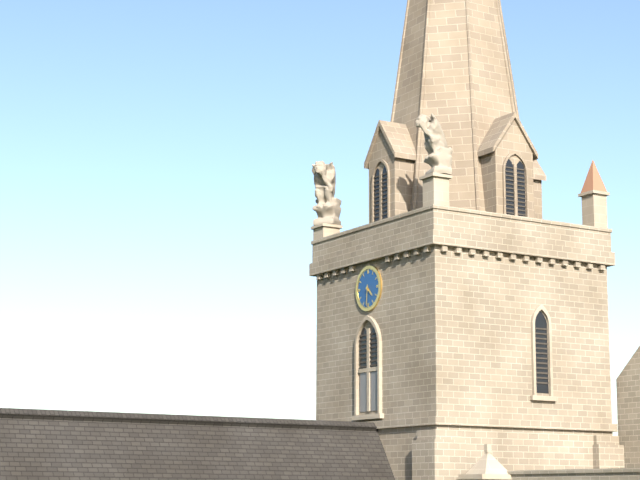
**4:31**
